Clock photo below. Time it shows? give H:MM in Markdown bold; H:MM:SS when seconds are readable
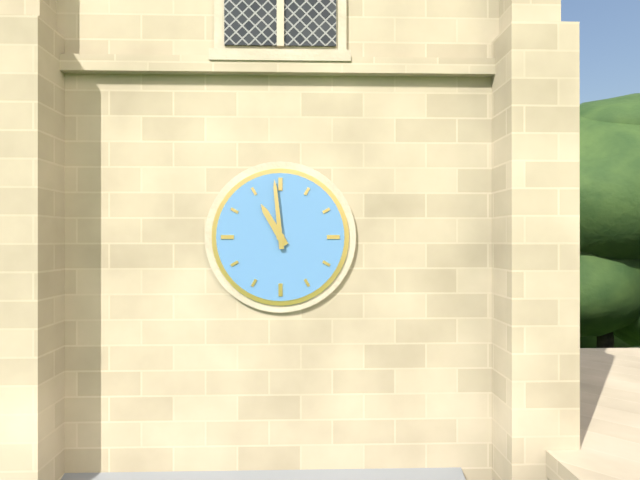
**10:59**
